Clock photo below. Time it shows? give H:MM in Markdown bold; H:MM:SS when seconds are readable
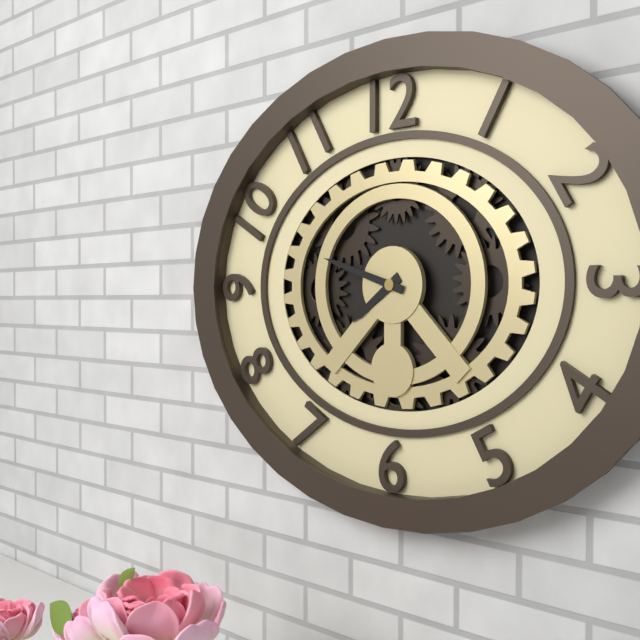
**7:48**
